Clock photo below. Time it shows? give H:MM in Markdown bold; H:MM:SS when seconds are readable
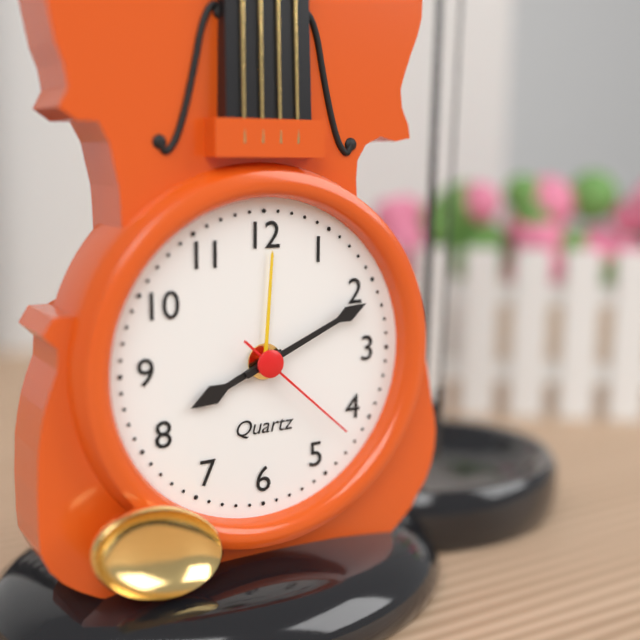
**8:11:22**
